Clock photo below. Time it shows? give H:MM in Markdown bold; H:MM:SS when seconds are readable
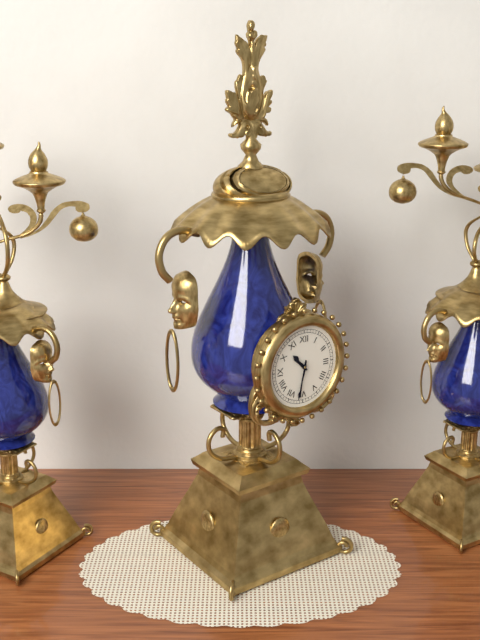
**10:32**
